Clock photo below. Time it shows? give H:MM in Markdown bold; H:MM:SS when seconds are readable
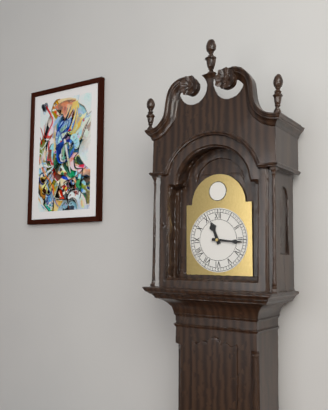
**11:16**
